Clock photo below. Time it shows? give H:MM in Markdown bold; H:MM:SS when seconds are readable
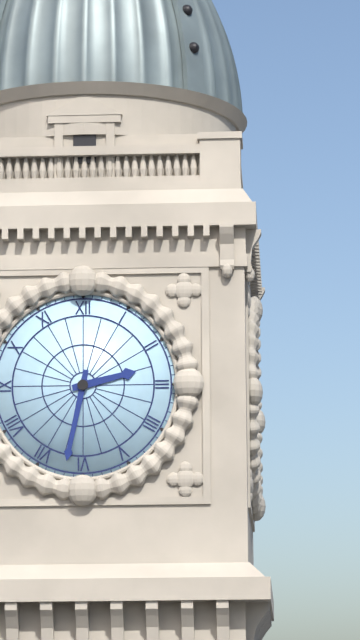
**2:32**
